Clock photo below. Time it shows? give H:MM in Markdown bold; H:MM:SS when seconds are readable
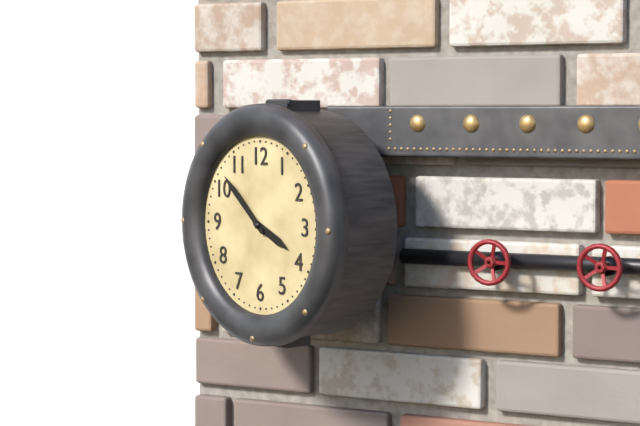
**3:52**
